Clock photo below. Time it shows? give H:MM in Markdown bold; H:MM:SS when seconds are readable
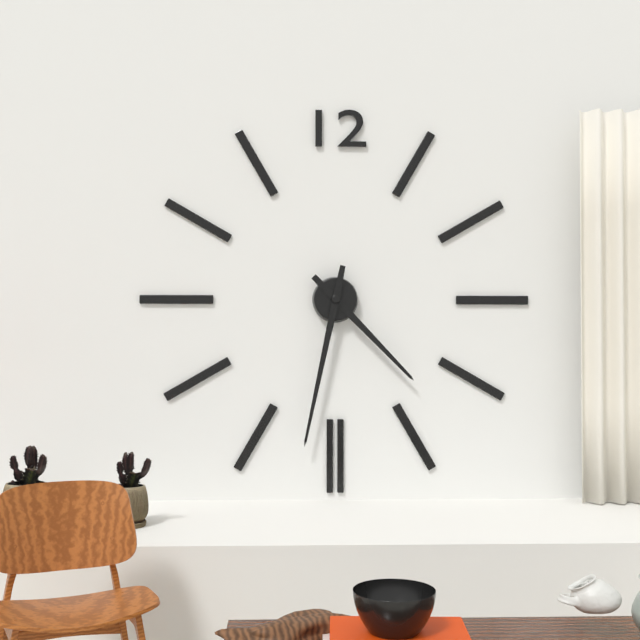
**4:32**
